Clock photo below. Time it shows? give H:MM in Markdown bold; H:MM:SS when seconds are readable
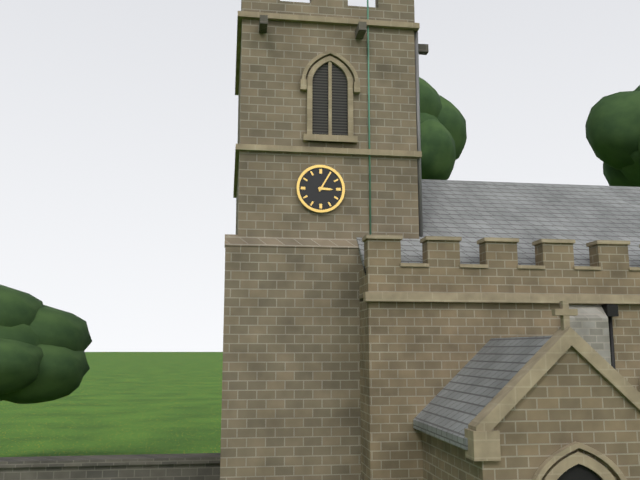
**3:05**
